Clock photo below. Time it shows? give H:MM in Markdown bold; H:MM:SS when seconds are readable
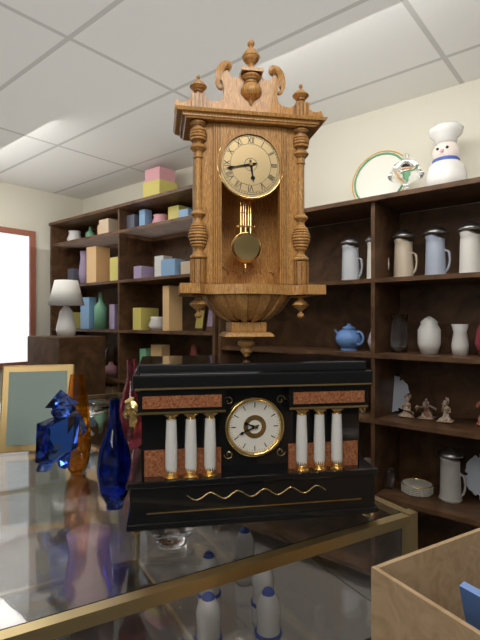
**5:43**
